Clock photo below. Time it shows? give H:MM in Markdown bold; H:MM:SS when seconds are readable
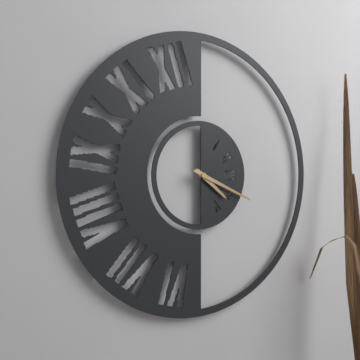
**4:19**
